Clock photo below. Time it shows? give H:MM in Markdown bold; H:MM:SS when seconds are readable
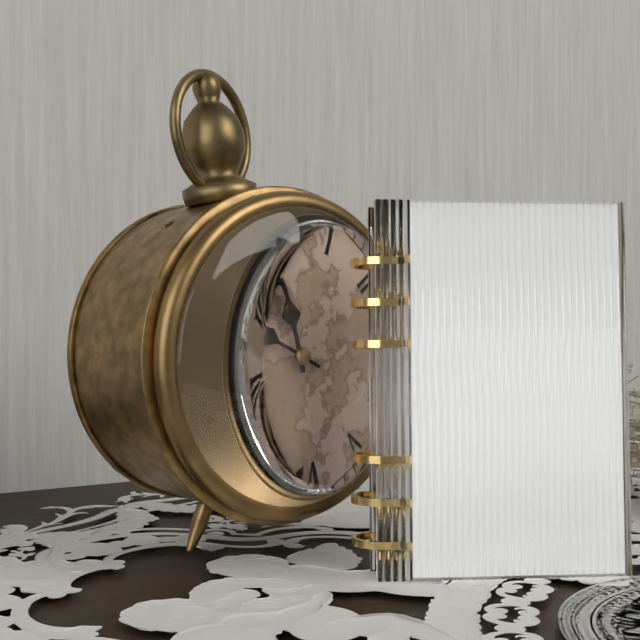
**11:51**
